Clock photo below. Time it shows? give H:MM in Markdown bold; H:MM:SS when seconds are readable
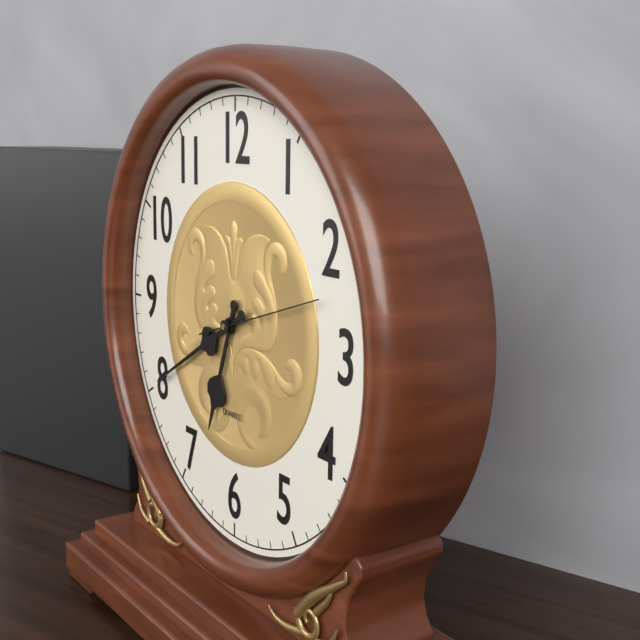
**6:40:12**
